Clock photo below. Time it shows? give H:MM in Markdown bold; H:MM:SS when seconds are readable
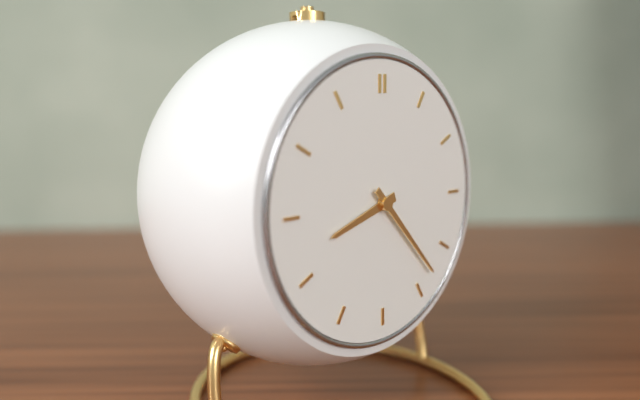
**8:23**
